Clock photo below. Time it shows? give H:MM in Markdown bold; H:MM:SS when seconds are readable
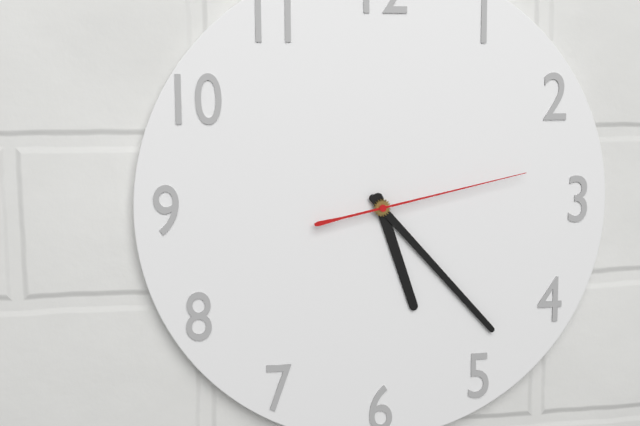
**5:23:13**
